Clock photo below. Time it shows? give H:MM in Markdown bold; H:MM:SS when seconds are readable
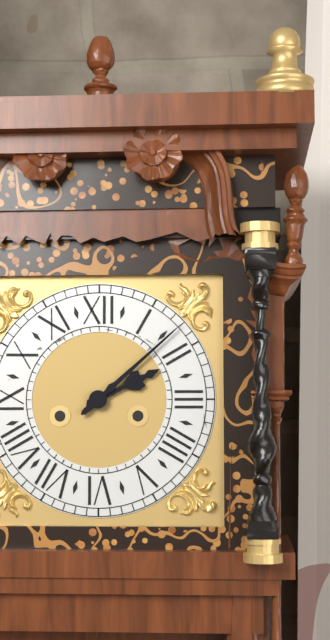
**2:08**
